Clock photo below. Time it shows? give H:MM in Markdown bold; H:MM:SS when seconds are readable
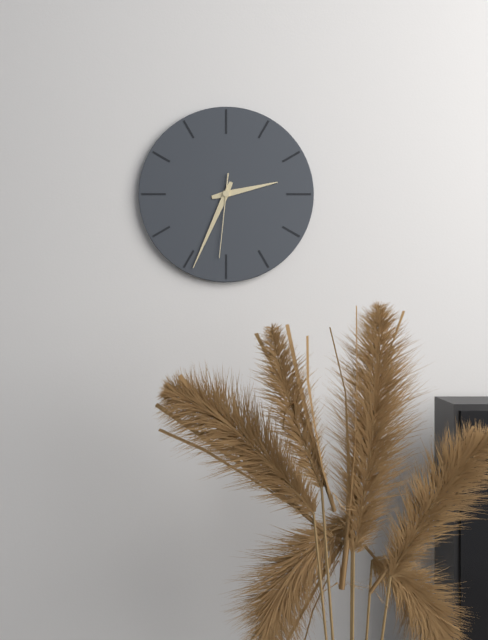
**2:34:31**
